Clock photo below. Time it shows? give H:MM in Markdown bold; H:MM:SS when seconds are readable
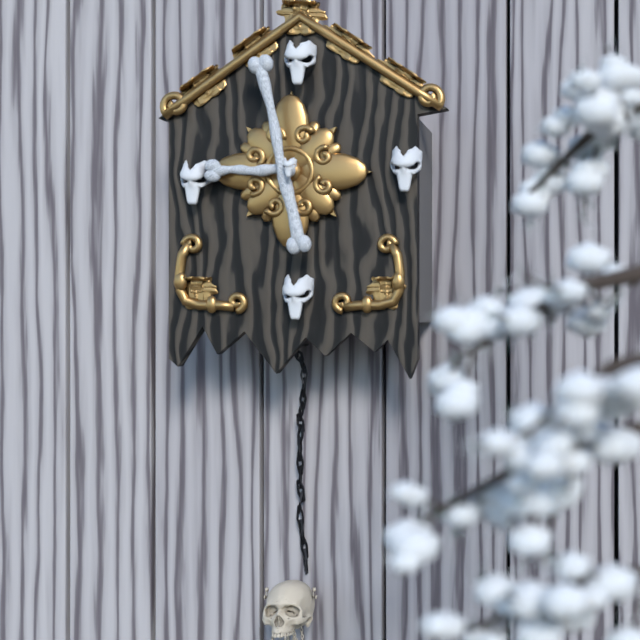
**8:58**
